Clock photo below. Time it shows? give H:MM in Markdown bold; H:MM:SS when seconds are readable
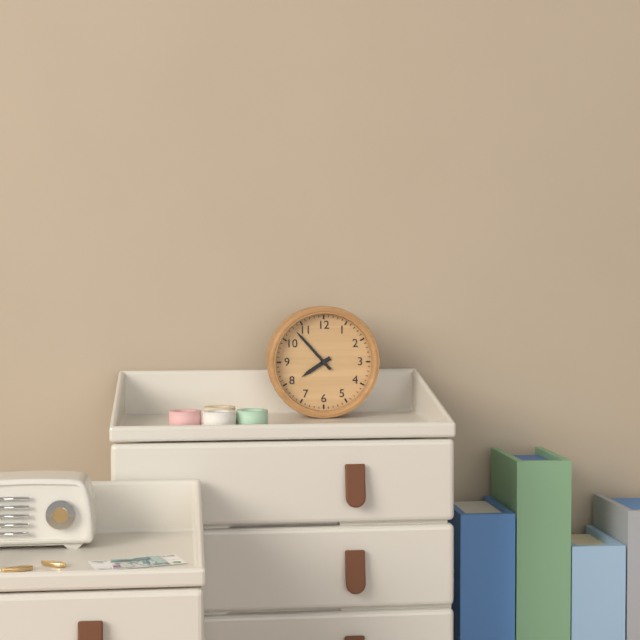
**7:53**
